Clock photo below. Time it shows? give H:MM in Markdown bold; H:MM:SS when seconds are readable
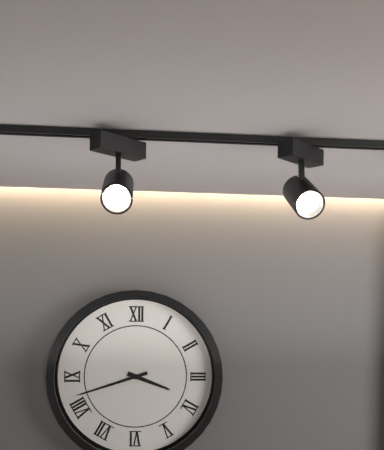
**3:42**
